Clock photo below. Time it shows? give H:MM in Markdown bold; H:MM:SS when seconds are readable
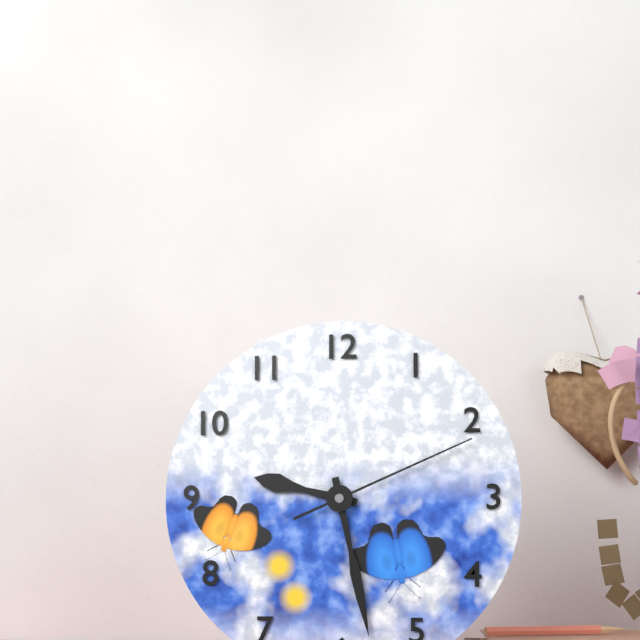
**9:28:11**
